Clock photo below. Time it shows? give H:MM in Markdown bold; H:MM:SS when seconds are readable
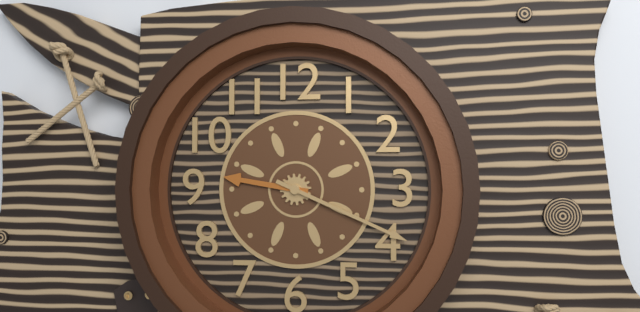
**9:19**
